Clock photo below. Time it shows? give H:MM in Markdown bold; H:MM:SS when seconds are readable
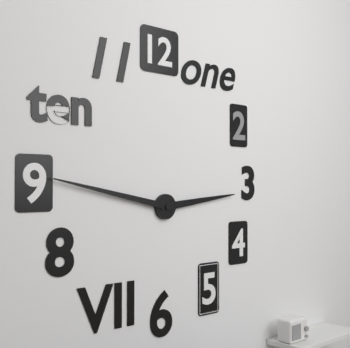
**2:47**
